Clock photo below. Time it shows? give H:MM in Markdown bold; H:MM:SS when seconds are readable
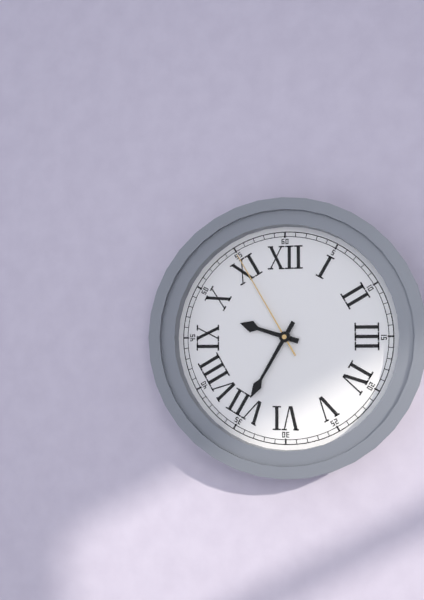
**9:35:55**
